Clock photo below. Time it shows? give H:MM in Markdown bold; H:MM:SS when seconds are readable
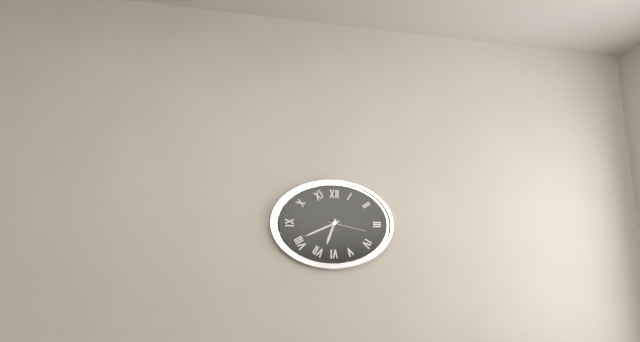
**6:41**
